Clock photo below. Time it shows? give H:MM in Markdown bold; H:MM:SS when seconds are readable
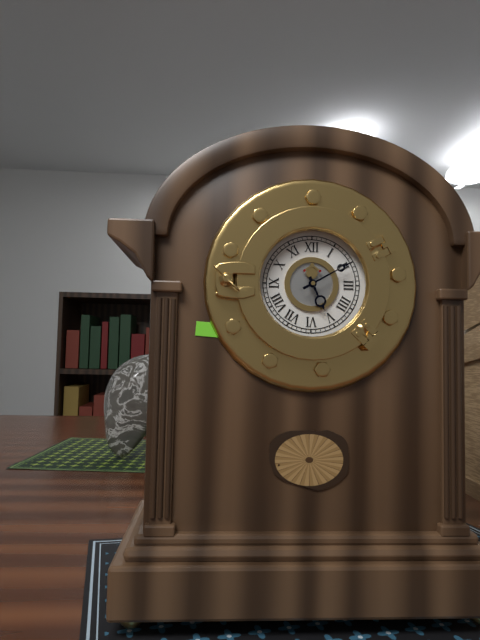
**5:10**
